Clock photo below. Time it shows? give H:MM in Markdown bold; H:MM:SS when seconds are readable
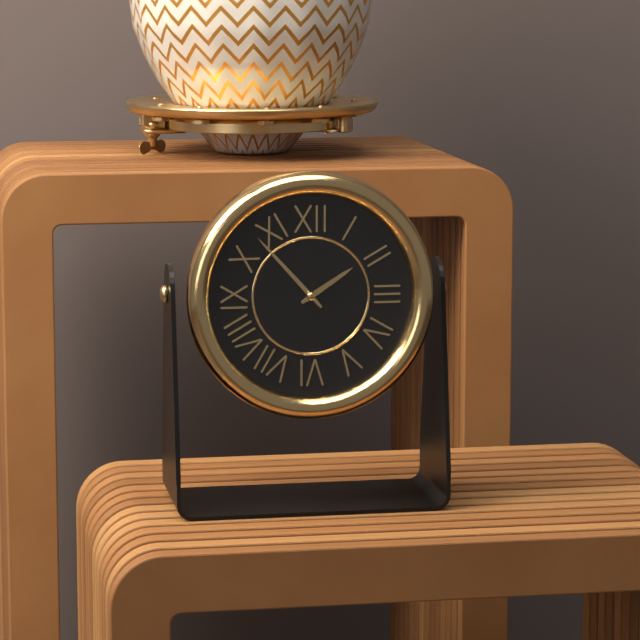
**1:53**
